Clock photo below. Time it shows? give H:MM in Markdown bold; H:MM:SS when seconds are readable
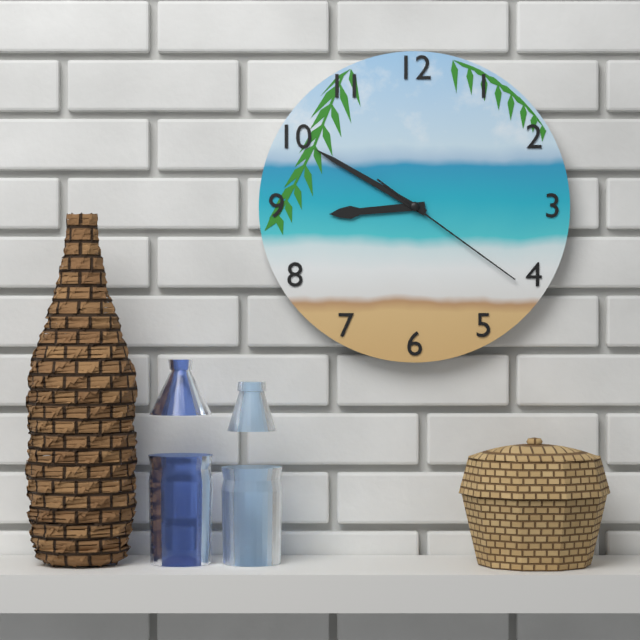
**8:50:21**
